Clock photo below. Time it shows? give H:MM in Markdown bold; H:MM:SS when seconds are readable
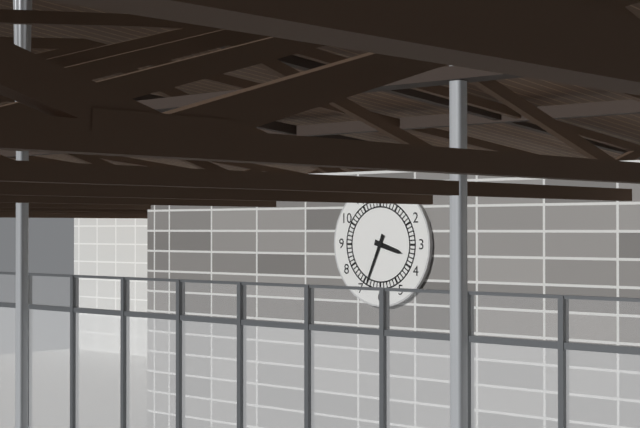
**3:34**
